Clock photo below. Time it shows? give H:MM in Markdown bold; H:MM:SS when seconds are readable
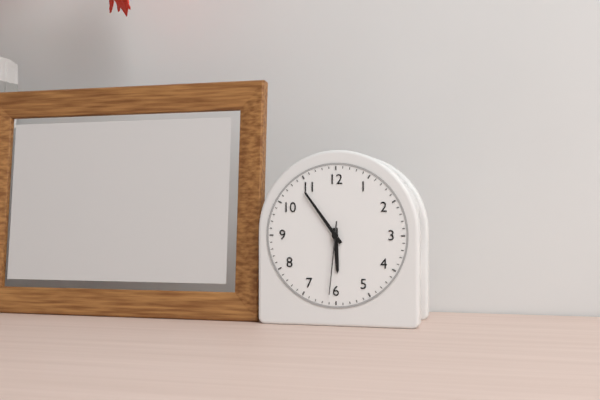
**5:54:31**
